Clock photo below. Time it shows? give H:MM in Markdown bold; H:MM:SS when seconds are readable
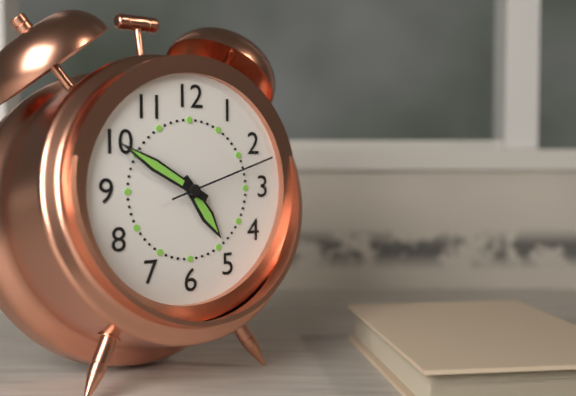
**4:50:12**
